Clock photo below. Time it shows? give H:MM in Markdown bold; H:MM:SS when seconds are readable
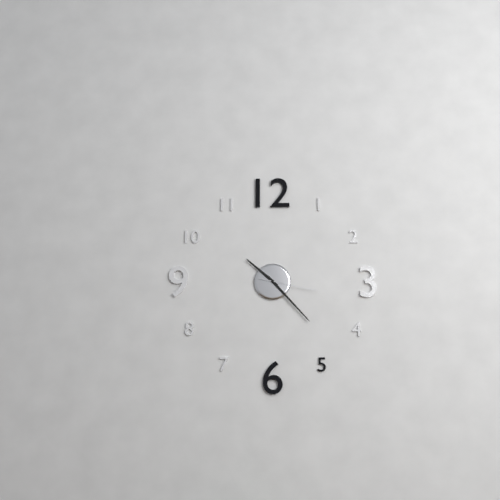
**10:23:17**
